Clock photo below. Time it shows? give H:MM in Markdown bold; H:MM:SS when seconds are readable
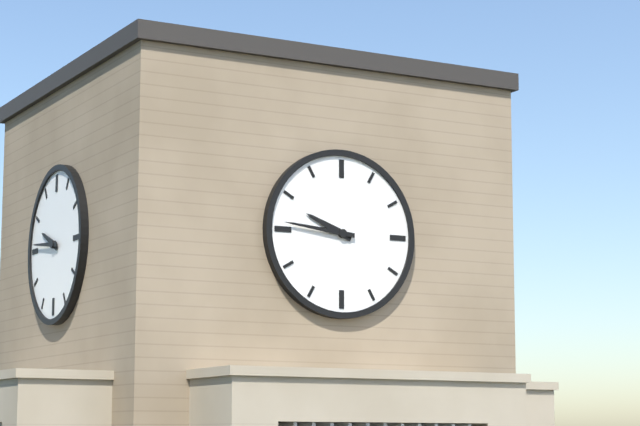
**9:46**
